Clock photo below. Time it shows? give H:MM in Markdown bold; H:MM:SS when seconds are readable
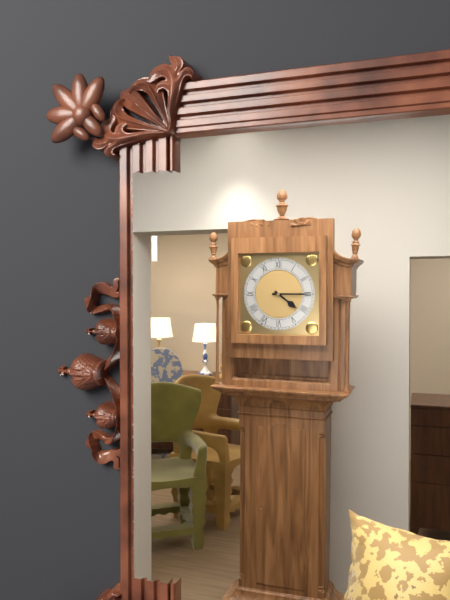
**4:15**
